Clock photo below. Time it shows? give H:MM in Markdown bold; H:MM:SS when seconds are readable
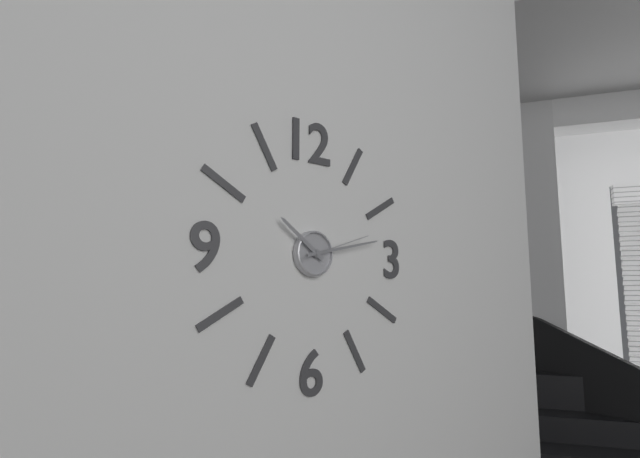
**10:13:12**
